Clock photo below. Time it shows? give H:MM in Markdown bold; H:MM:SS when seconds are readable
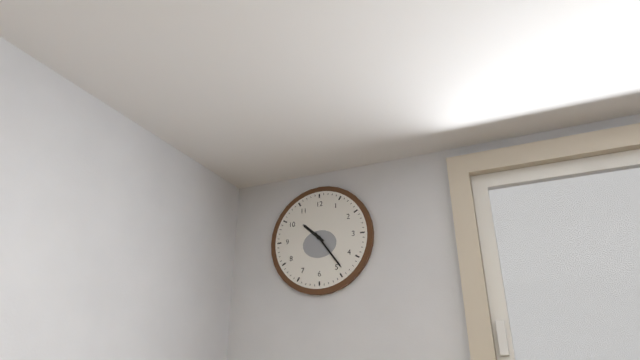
**10:24**
